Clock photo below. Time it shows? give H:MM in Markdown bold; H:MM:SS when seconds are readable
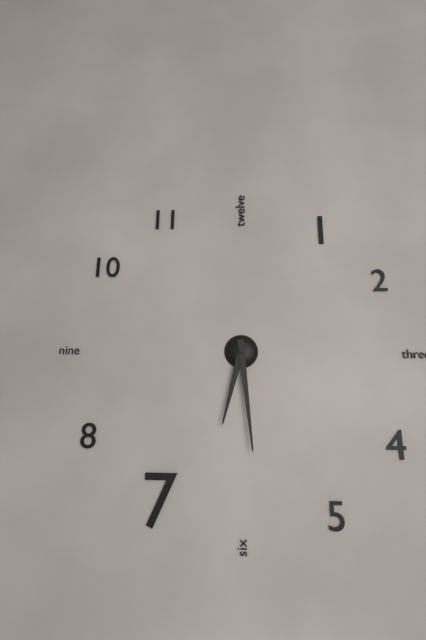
**6:29**
